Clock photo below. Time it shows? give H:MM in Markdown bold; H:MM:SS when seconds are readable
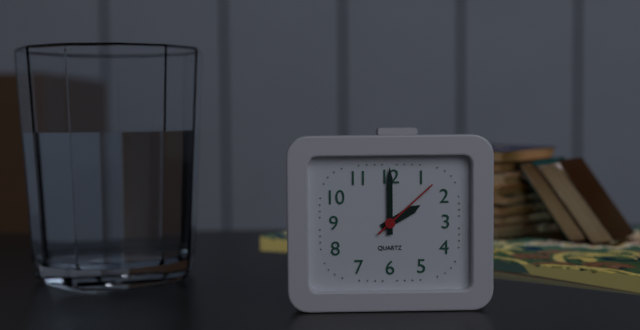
**2:00:08**
